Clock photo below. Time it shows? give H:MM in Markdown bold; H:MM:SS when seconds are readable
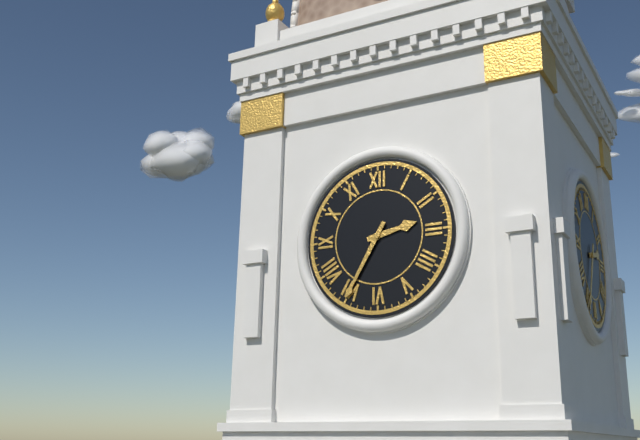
**2:35**
